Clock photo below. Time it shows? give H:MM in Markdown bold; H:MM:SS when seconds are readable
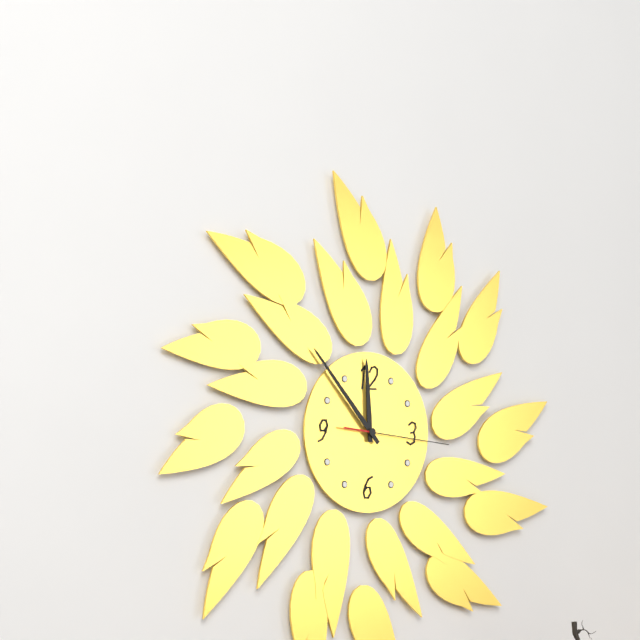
**11:53:16**
